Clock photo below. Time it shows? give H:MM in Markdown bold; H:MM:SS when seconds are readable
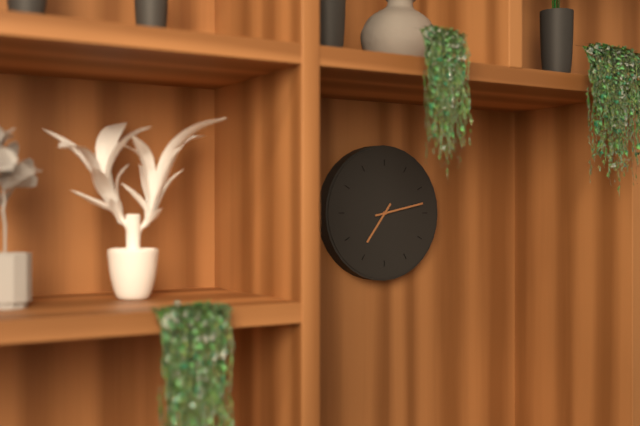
**7:13**
